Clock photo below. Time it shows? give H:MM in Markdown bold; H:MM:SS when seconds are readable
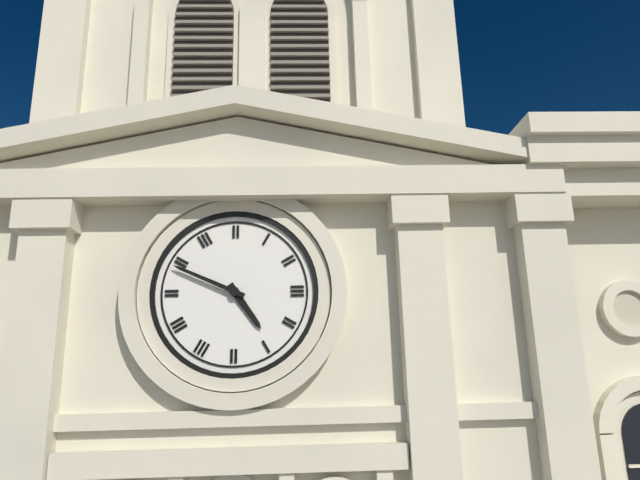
**4:49**
